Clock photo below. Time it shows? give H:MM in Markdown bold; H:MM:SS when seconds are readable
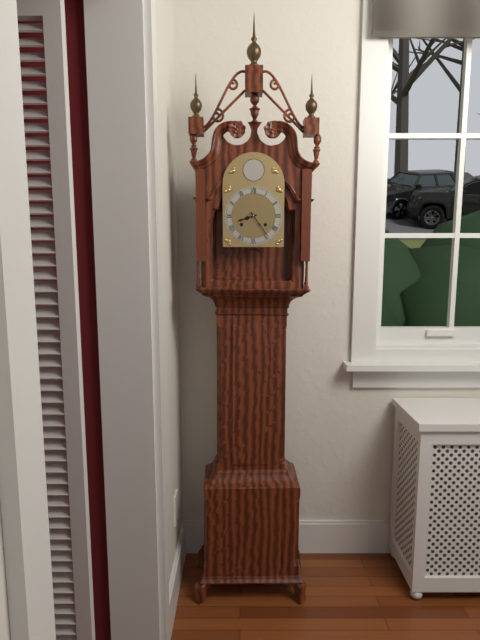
**8:24**
